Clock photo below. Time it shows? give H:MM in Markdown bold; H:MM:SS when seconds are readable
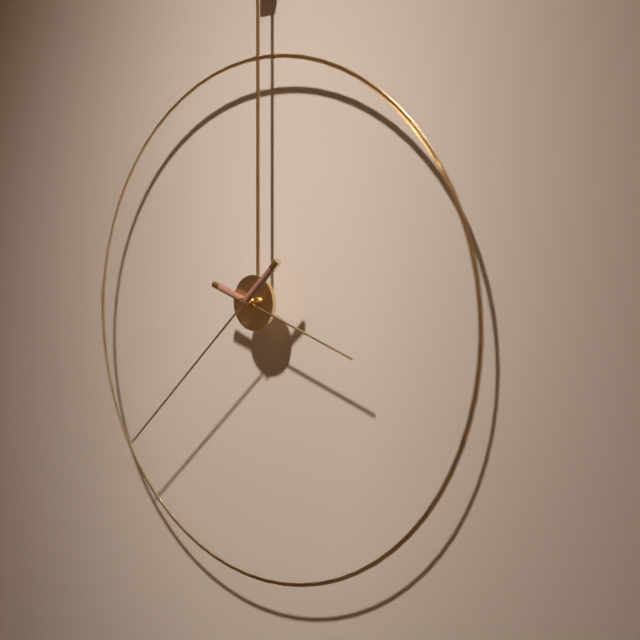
**3:38**
